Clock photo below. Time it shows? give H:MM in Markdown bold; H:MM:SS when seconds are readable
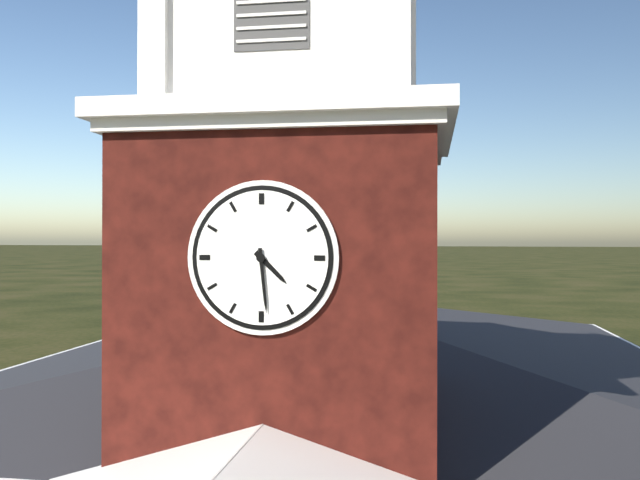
**4:29**
